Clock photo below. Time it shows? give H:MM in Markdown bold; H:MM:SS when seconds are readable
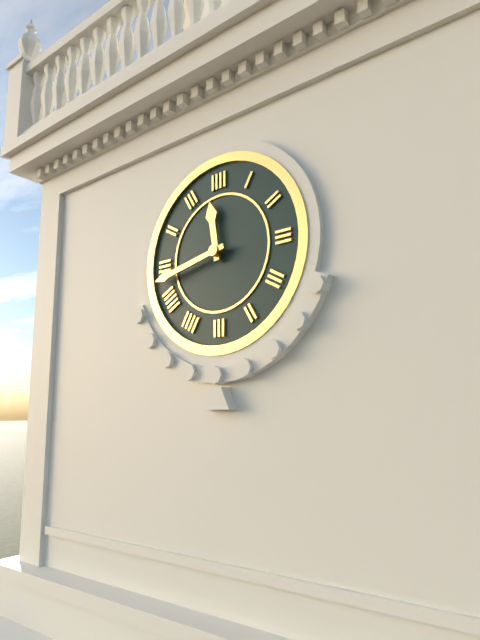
**11:43**
